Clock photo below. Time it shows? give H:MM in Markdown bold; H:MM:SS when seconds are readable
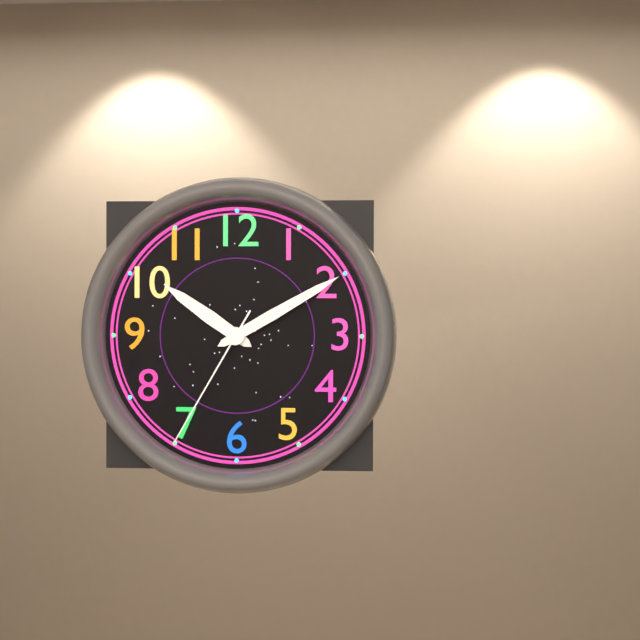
**10:10:35**
